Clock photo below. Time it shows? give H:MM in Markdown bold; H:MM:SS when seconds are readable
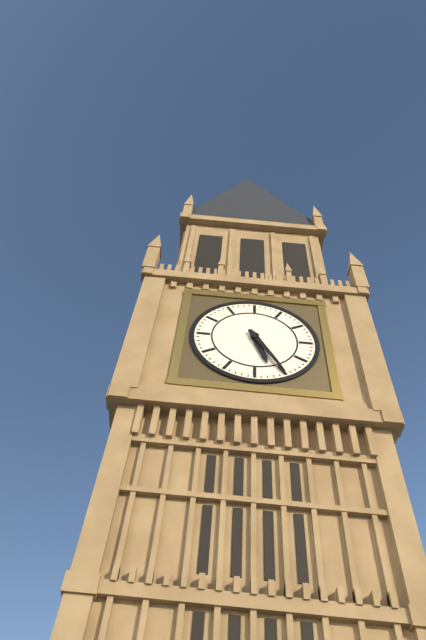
**5:25**
